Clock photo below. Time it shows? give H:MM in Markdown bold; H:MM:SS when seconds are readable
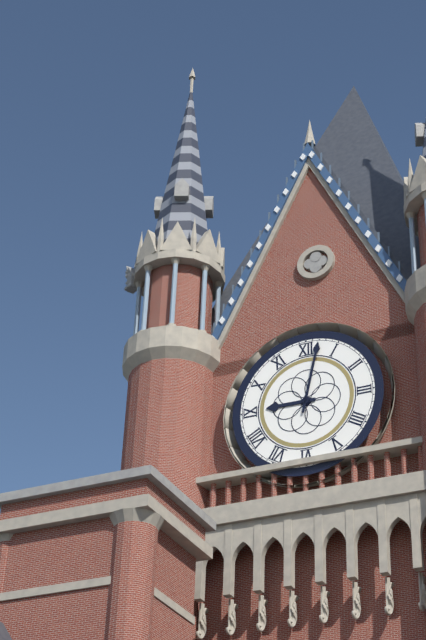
**9:02**
